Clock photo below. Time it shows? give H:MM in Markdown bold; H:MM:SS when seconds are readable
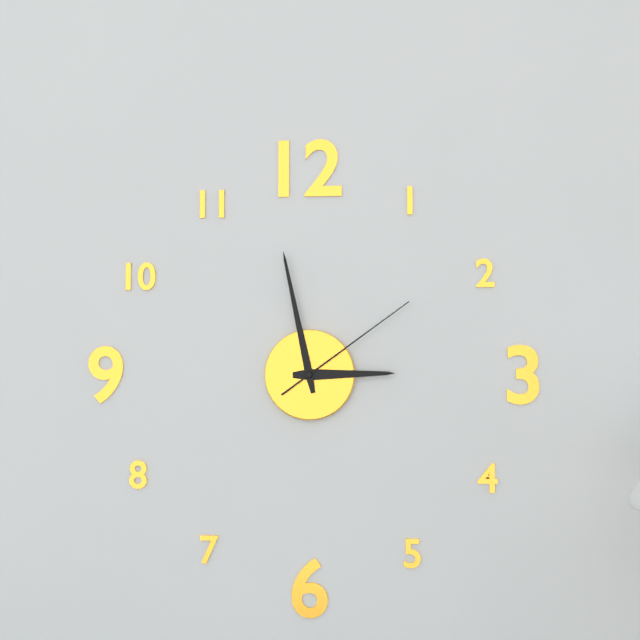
**2:58:09**
